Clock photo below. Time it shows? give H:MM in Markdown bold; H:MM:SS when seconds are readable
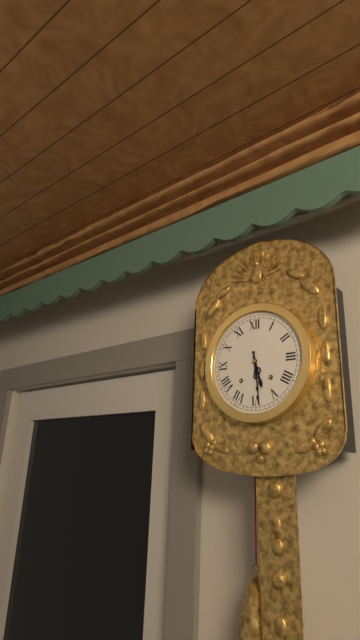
**5:29**
